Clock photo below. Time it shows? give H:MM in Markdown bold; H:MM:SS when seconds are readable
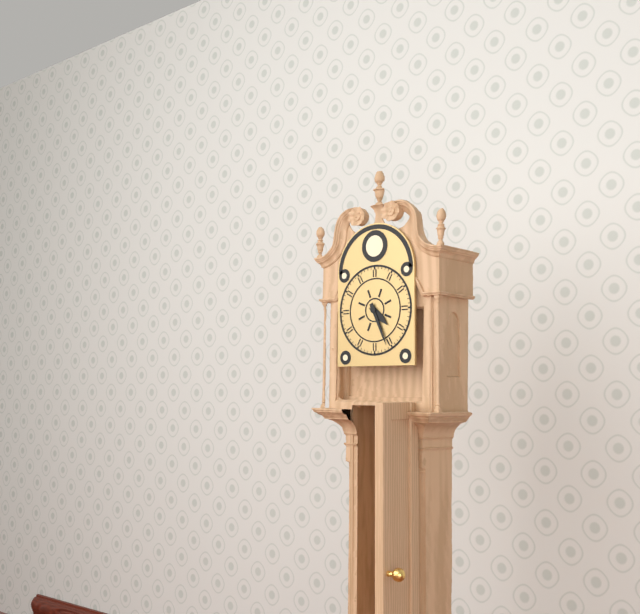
**4:26**
